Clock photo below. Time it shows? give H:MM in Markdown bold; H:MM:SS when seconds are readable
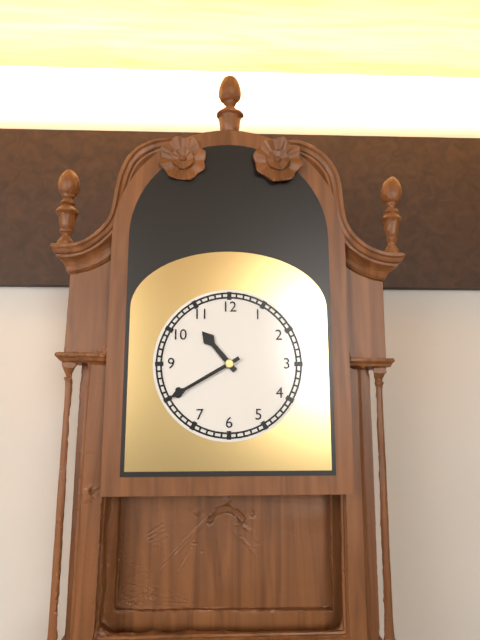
**10:40**
